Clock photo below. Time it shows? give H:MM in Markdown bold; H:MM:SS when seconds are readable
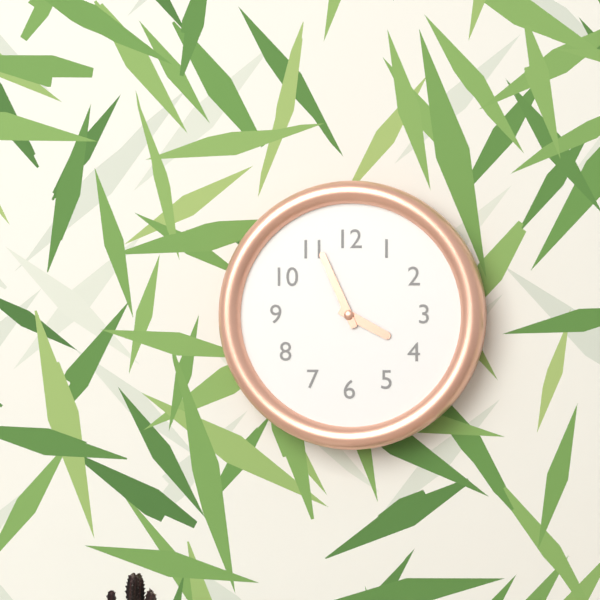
**3:56**
